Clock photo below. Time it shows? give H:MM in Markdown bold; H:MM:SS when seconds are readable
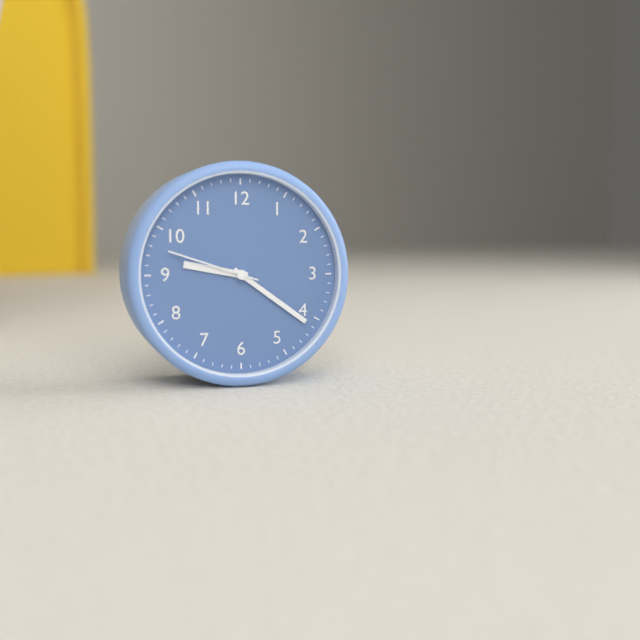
**9:21:48**
